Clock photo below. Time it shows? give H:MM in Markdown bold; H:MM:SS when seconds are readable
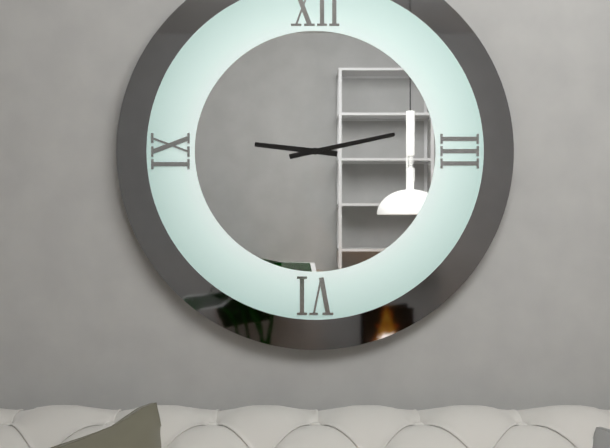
**9:13**
